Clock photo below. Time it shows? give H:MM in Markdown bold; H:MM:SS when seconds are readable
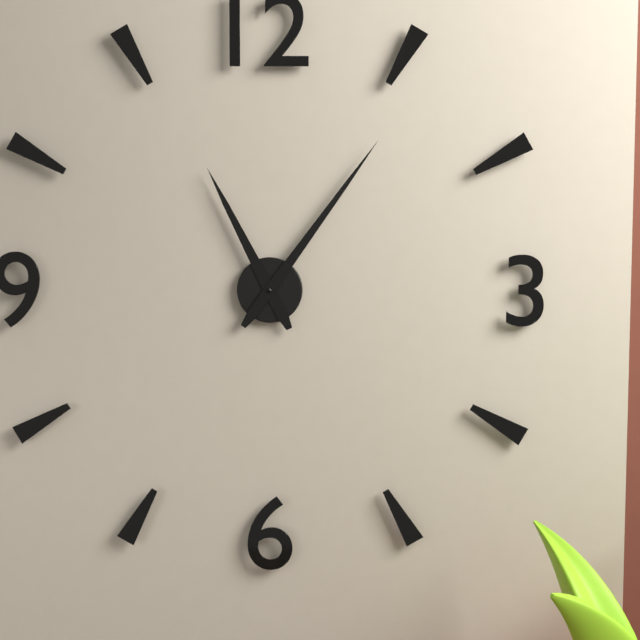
**11:06**
